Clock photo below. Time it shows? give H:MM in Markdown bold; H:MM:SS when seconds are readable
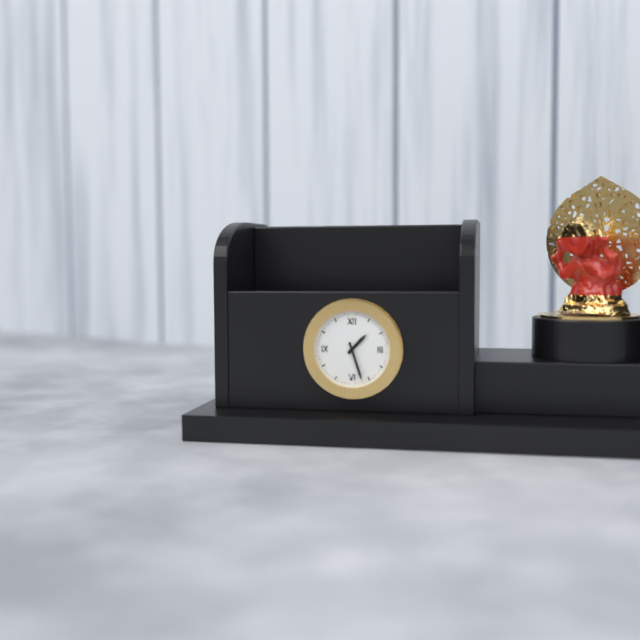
**1:27**
